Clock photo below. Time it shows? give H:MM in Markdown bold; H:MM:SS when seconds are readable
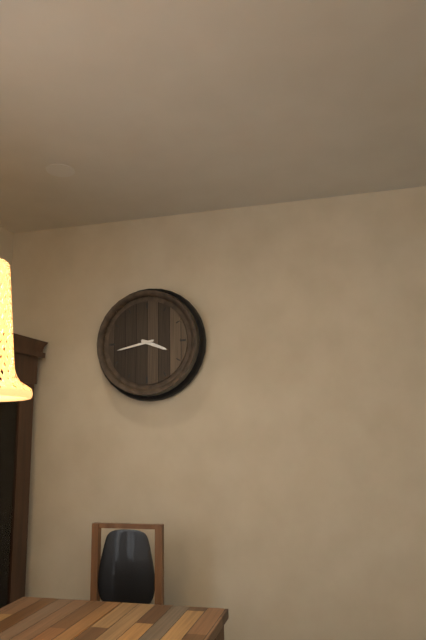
**3:43**
